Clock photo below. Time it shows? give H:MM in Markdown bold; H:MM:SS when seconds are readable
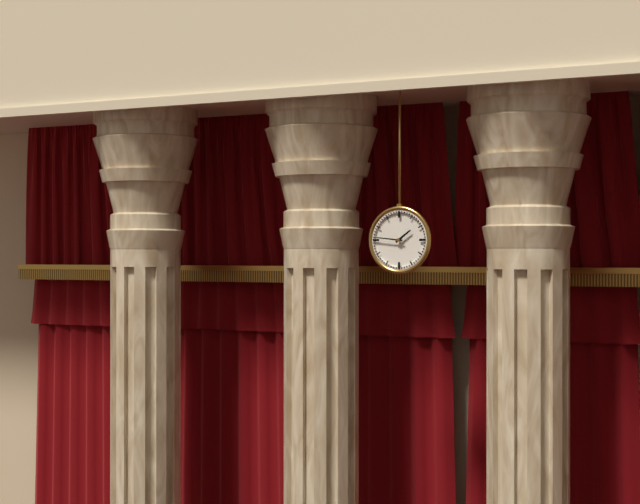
**1:46**
